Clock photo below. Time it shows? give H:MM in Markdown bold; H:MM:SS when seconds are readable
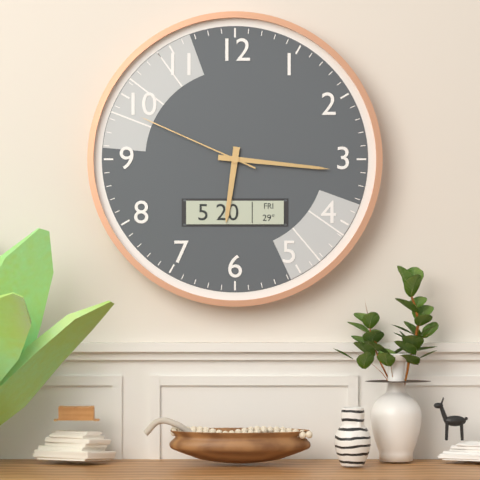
**6:16:49**
